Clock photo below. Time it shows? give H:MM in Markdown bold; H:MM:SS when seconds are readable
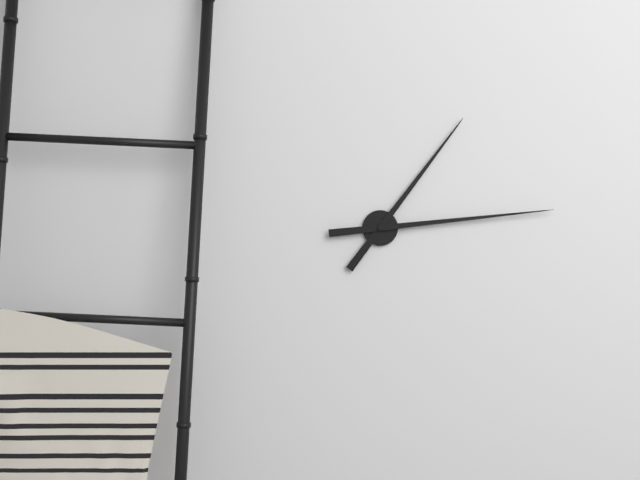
**1:14**
